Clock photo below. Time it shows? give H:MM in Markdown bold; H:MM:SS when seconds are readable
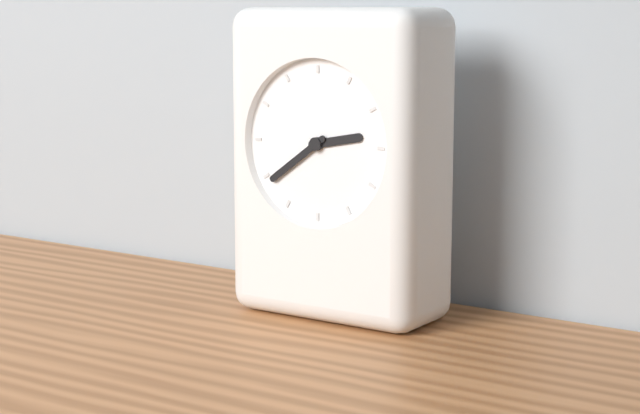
**2:39**
